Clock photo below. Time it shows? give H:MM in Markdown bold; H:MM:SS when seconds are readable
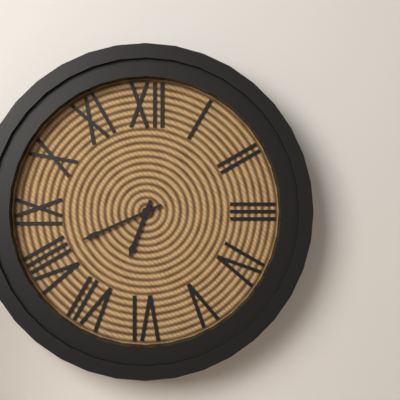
**6:41**
